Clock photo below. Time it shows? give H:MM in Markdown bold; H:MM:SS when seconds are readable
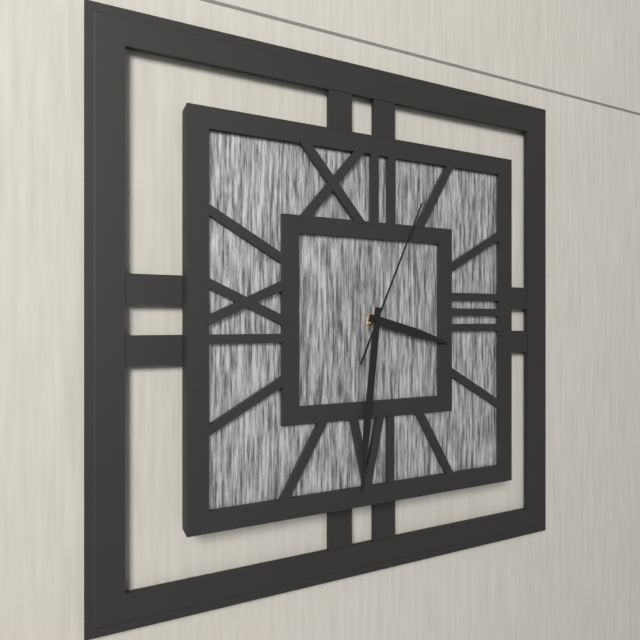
**3:31:04**
